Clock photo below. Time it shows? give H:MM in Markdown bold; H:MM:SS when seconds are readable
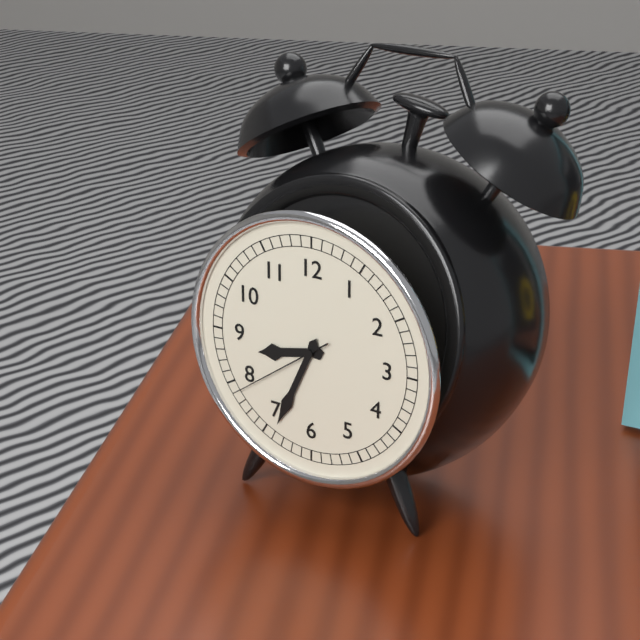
**8:34:39**
